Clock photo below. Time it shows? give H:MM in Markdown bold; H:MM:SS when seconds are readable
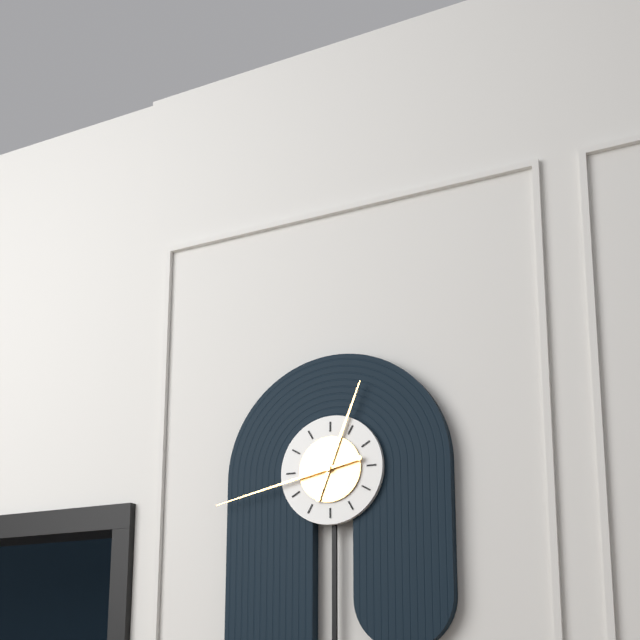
**12:43**
